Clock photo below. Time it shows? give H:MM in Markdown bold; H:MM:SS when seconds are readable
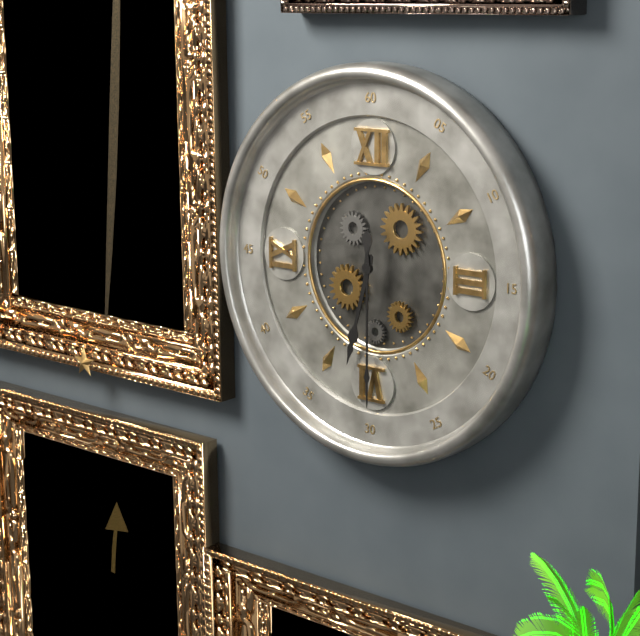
**6:30**
